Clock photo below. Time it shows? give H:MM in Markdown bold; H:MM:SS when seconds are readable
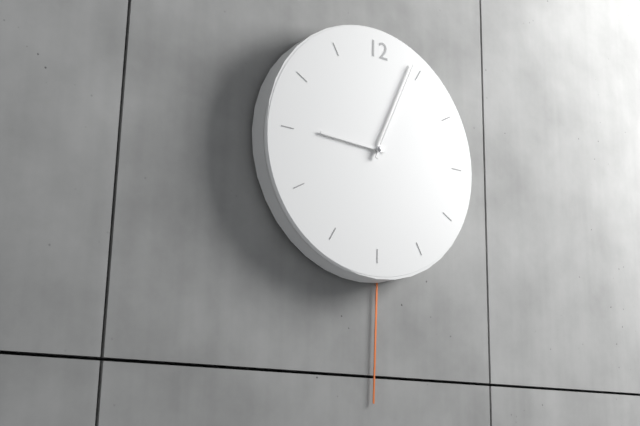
**9:04**
